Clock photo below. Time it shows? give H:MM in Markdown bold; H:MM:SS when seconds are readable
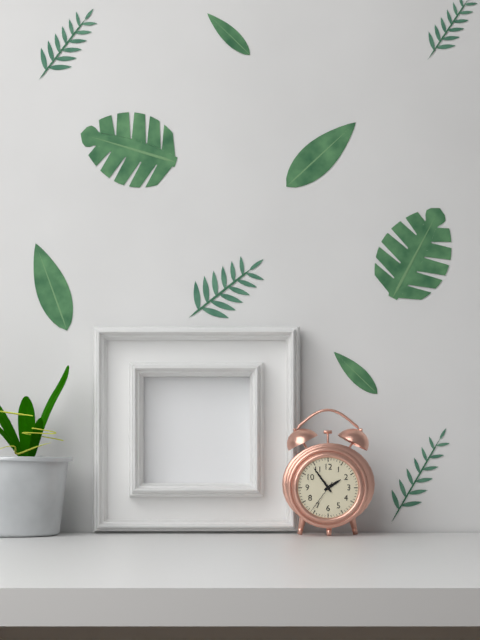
**1:54**
